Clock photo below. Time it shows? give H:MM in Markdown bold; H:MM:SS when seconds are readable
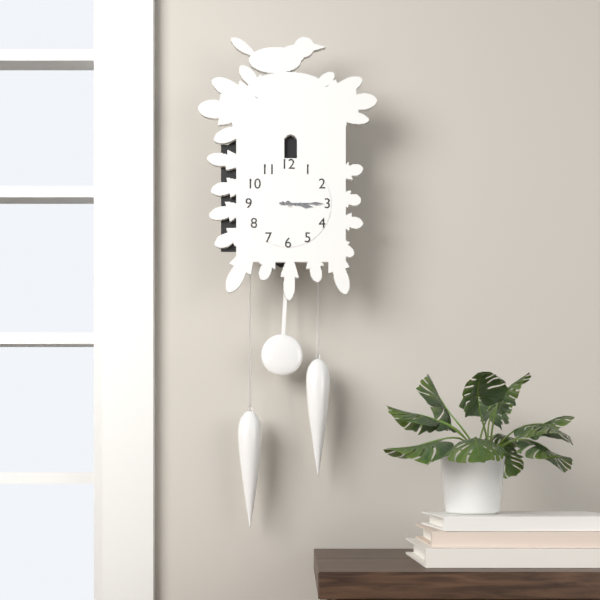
**3:15**
